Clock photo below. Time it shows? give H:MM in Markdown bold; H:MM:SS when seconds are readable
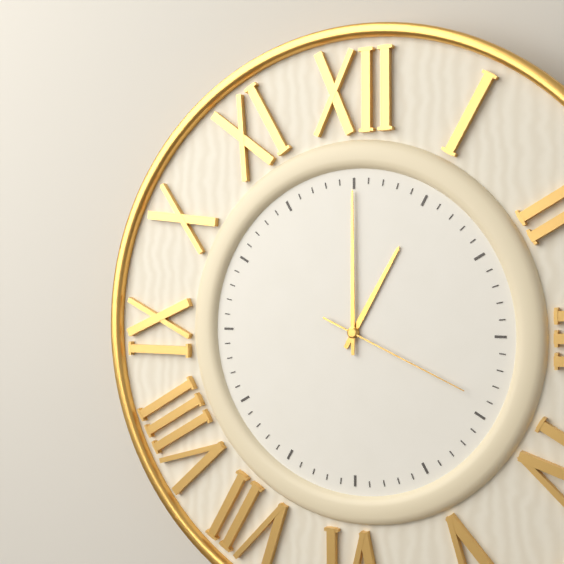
**1:00:19**
